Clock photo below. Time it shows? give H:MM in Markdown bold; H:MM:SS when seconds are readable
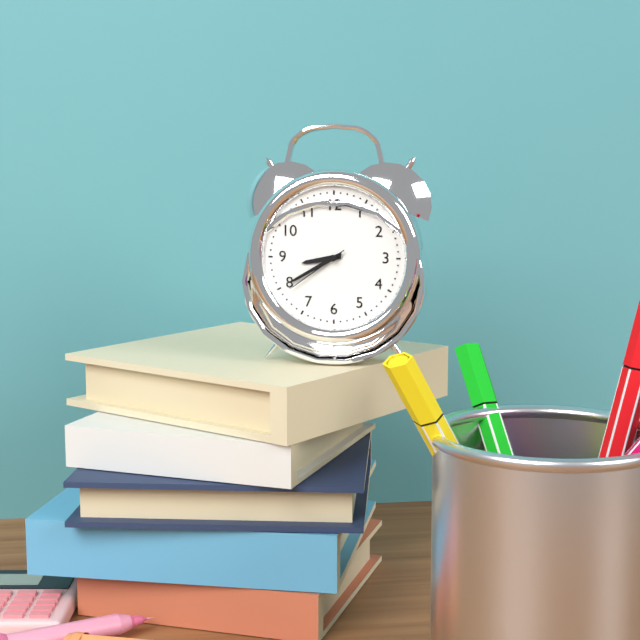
**8:40:39**
